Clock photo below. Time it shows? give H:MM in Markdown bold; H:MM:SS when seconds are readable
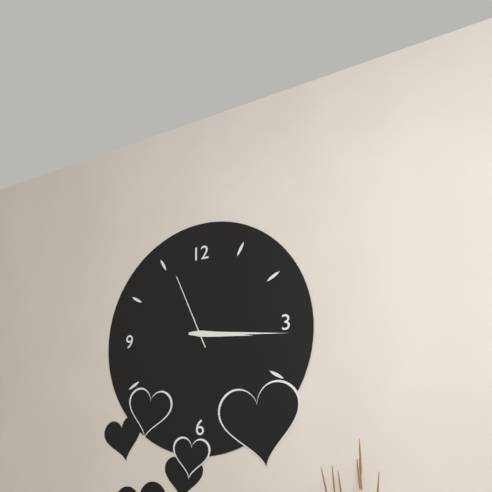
**3:16:56**
